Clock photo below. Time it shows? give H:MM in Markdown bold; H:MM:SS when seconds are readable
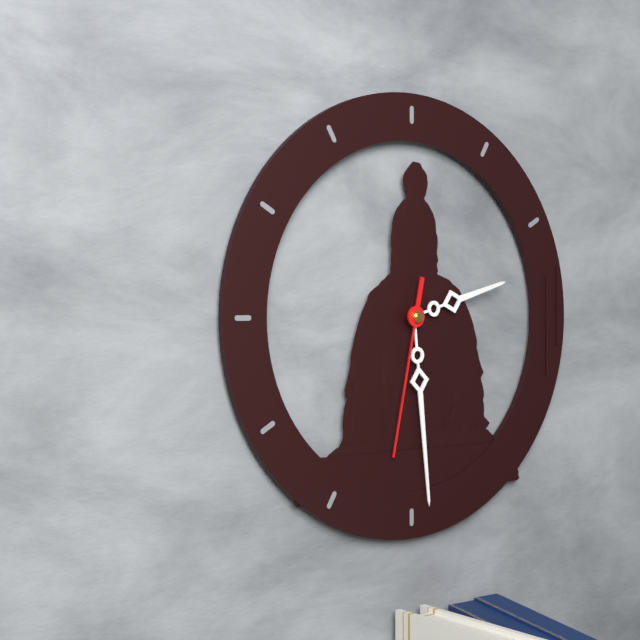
**2:29:32**
